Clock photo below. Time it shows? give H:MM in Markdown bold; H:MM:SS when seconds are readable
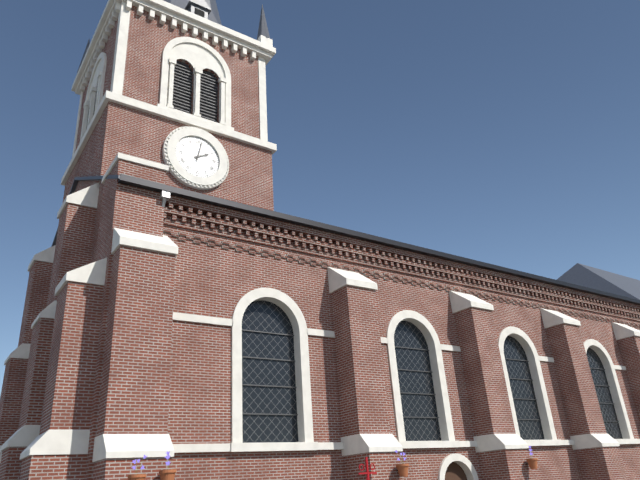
**2:02**
